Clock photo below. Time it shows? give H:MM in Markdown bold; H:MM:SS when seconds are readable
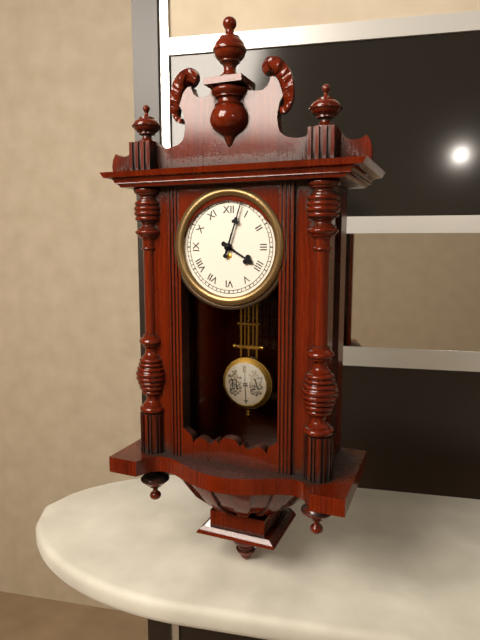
**4:03**
